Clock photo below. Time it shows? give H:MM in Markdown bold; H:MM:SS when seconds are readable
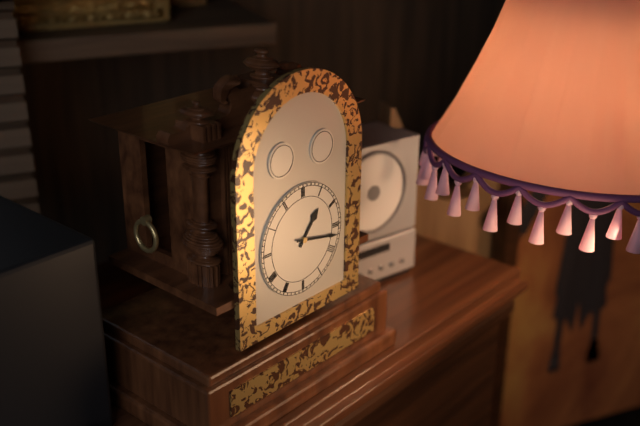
**1:17**
